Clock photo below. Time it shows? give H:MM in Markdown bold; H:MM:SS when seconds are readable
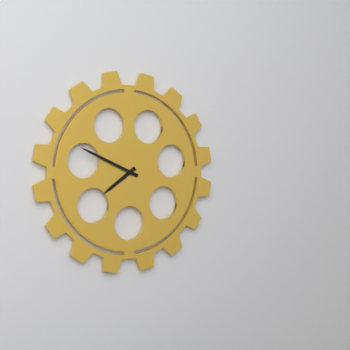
**7:49**
